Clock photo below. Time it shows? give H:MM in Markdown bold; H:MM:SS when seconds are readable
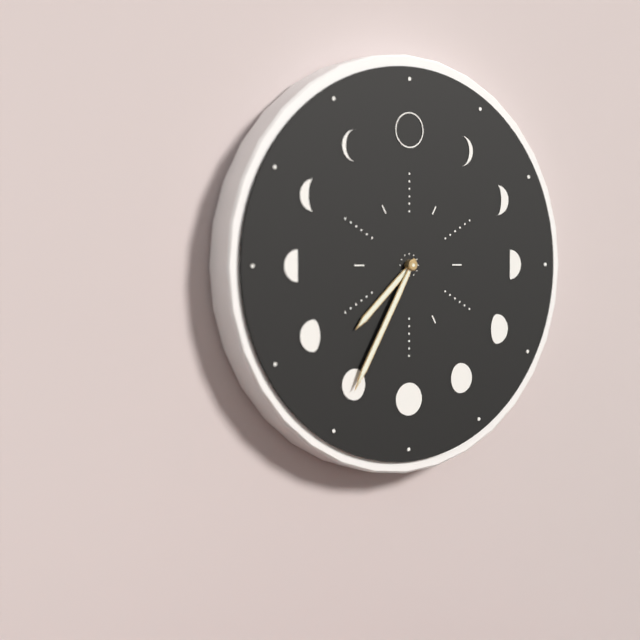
**7:35**
